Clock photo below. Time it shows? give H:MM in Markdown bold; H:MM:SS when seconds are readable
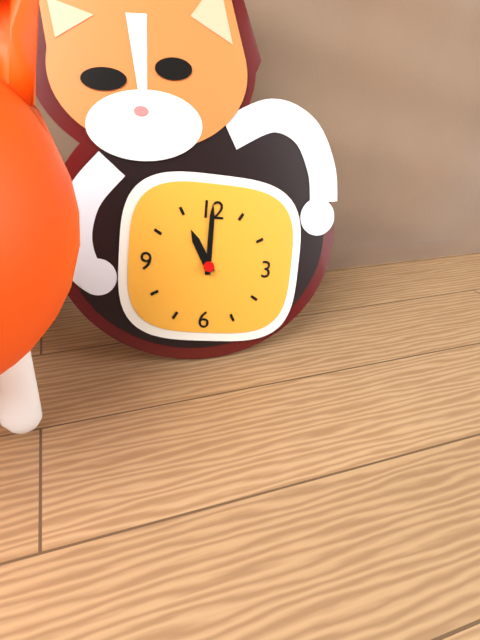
**11:00**
